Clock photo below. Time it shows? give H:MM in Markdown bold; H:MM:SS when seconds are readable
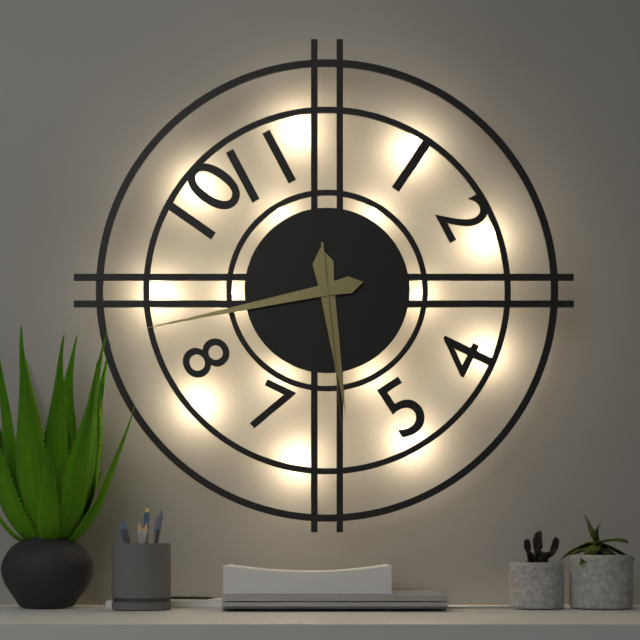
**5:43:29**
